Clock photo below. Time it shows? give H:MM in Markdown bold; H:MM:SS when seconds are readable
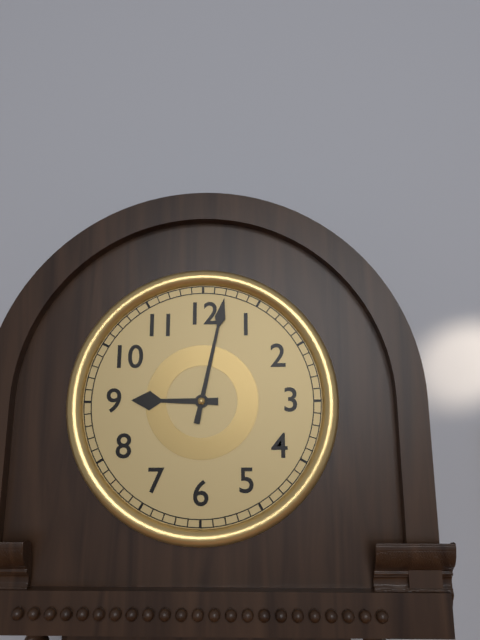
**9:02**
